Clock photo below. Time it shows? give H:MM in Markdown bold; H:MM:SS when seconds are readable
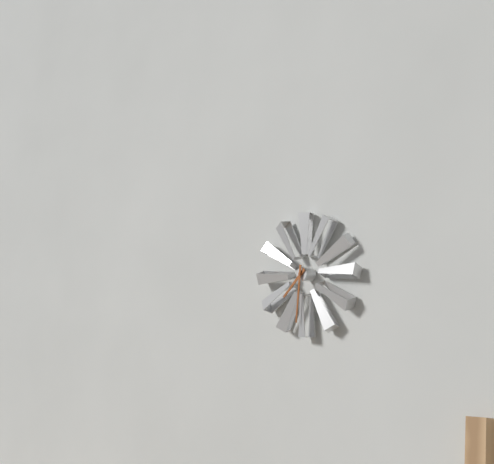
**7:31**
